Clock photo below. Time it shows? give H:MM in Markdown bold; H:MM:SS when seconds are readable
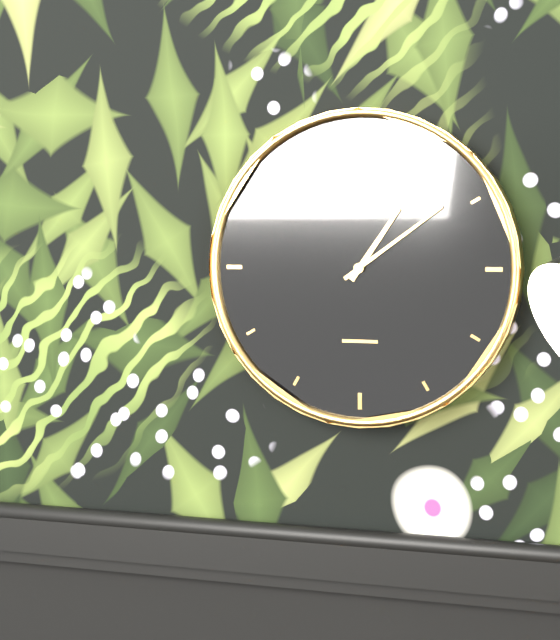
**1:09**
